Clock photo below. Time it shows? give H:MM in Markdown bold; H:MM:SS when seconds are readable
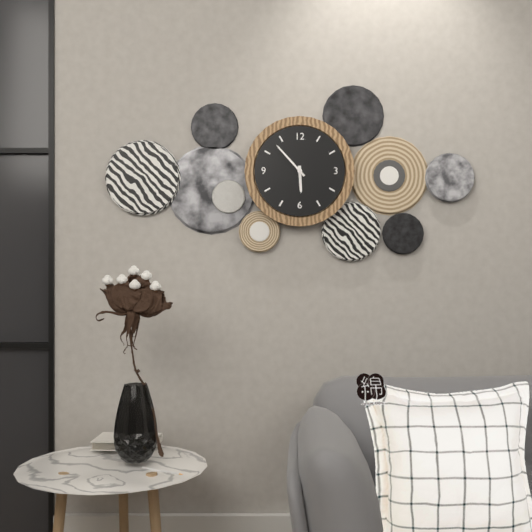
**5:53**
